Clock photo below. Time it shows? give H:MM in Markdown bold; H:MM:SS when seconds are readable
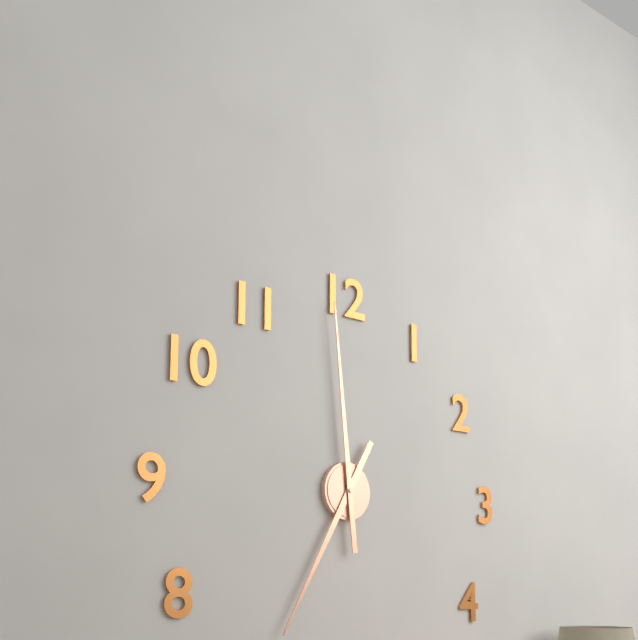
**6:59**
